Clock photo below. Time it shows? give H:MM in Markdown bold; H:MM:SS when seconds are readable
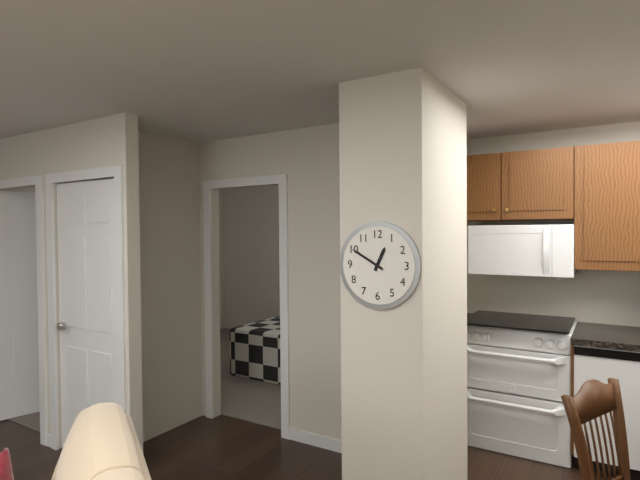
**12:50**
